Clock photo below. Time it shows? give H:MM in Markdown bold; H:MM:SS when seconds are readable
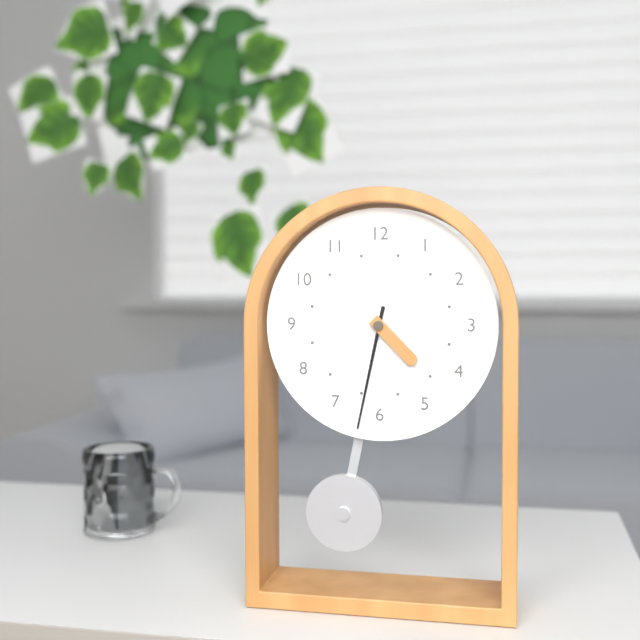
**4:32**
